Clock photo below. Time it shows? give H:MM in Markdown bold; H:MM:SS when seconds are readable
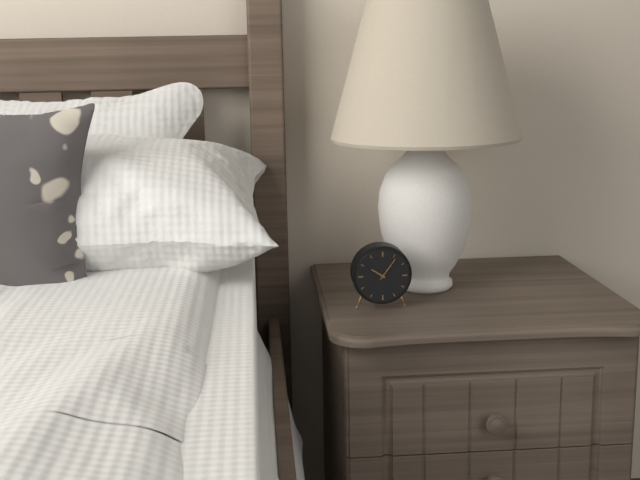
**10:06**
